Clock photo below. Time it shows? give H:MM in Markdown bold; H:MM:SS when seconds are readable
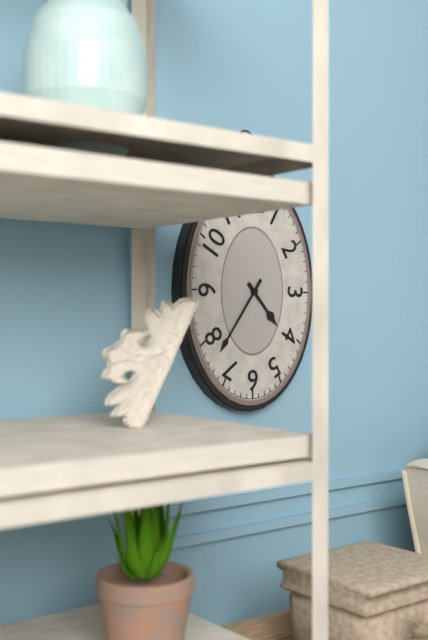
**4:36**
